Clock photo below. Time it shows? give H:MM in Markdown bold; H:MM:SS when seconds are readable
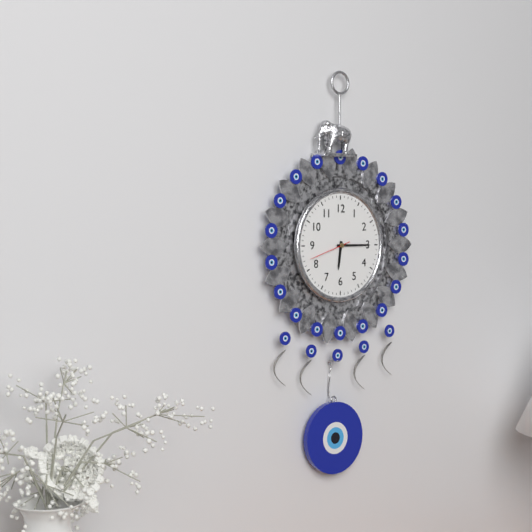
**6:15**
